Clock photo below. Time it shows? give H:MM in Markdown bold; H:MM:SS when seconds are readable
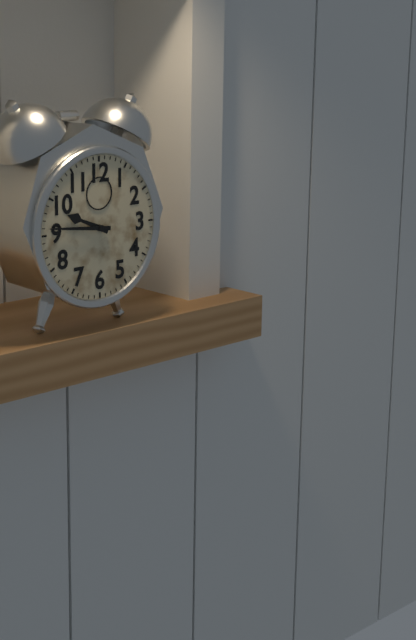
**9:46**
